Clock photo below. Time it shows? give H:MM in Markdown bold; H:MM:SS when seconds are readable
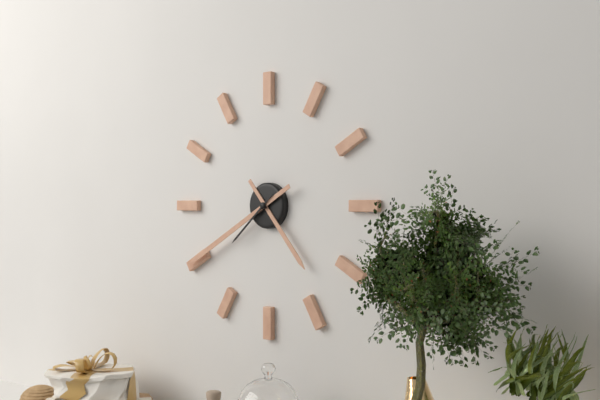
**4:40:38**
